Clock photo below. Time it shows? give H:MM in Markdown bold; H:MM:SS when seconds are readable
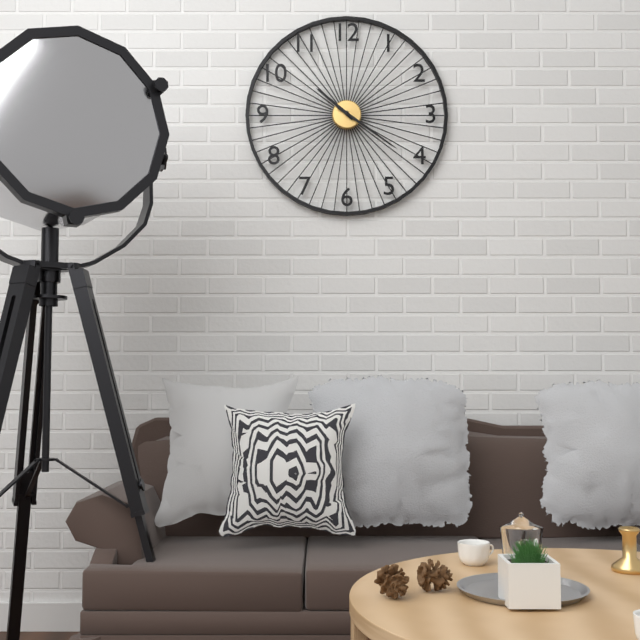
**10:21**
